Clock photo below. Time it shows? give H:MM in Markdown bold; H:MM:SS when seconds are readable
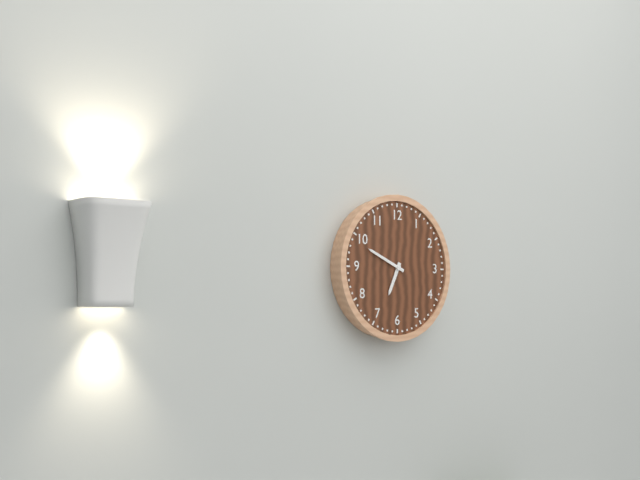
**6:49**
